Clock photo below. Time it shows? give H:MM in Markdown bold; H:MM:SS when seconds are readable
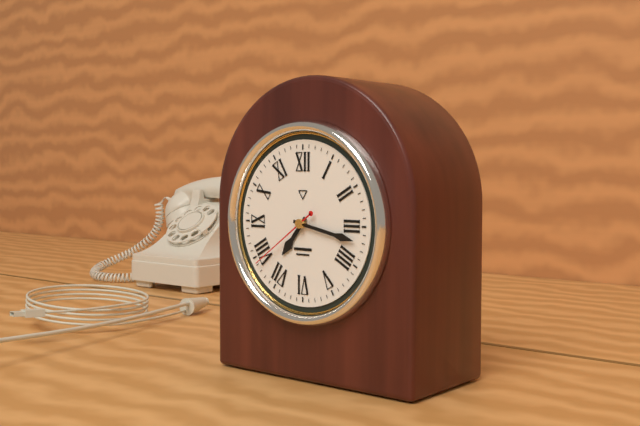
**7:17:39**
